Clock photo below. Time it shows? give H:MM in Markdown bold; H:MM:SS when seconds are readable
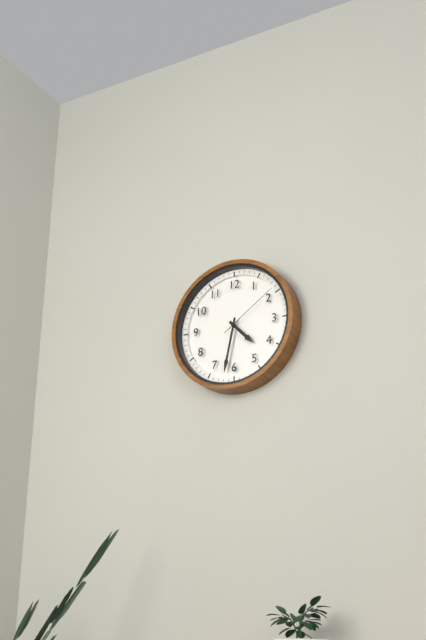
**4:32:09**
